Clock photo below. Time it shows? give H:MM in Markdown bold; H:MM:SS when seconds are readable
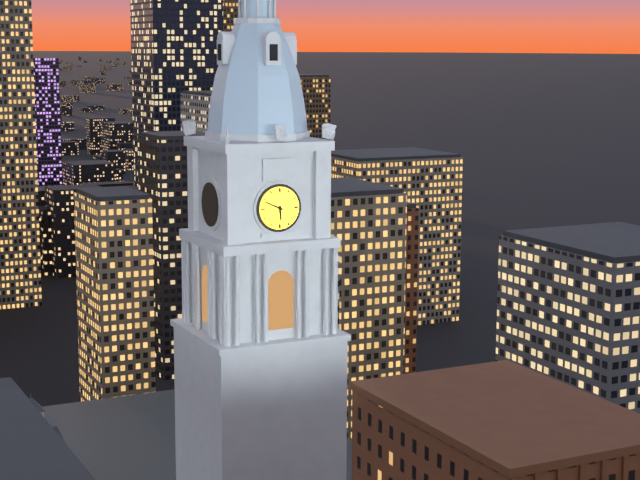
**5:49**
